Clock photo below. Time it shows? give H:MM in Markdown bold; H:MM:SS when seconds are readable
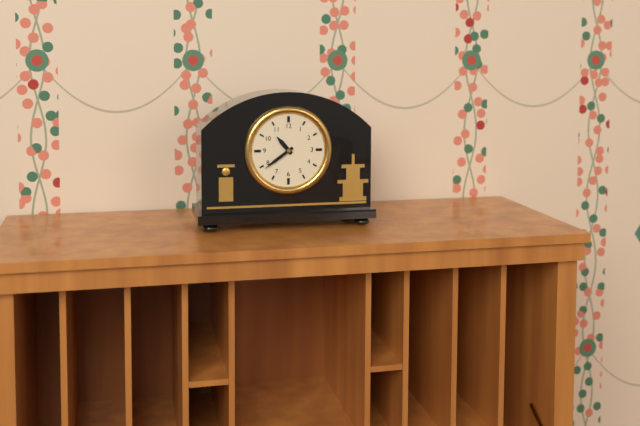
**10:39**
